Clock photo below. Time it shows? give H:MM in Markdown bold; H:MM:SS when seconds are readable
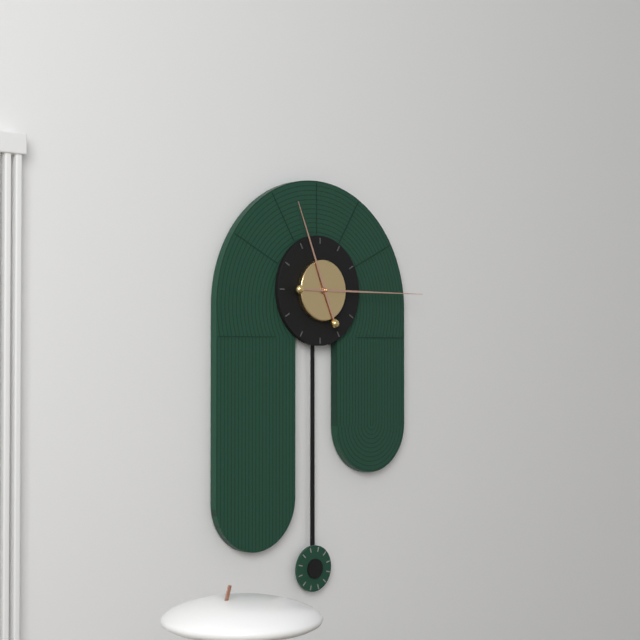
**11:15**
